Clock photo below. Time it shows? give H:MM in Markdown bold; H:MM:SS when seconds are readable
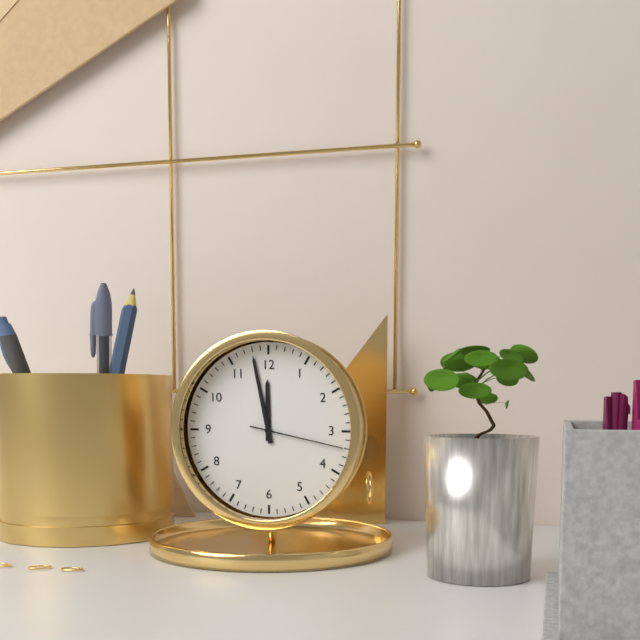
**11:58:17**
